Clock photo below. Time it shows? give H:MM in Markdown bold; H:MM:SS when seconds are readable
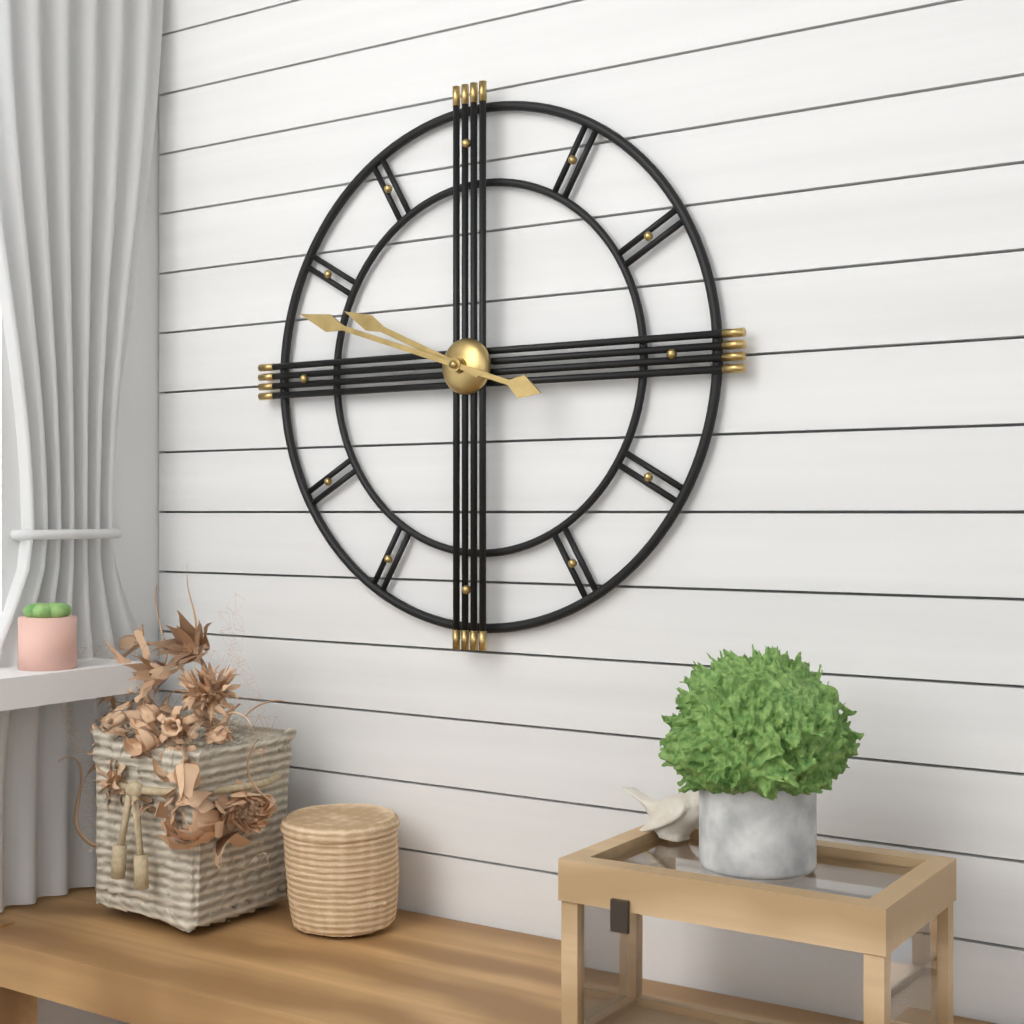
**9:48**
